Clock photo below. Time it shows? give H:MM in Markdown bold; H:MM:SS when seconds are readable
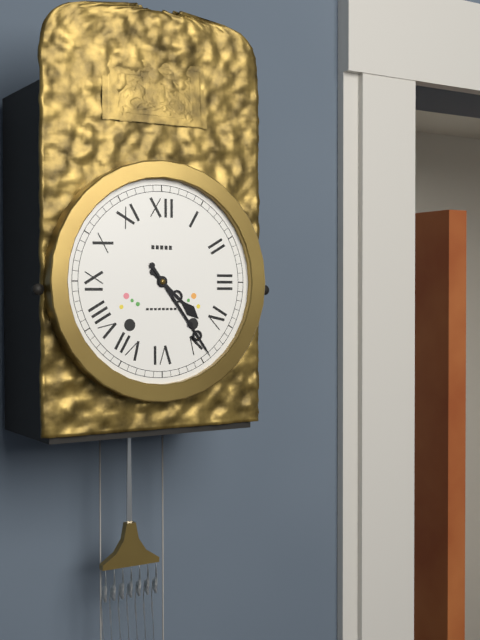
**4:24**
